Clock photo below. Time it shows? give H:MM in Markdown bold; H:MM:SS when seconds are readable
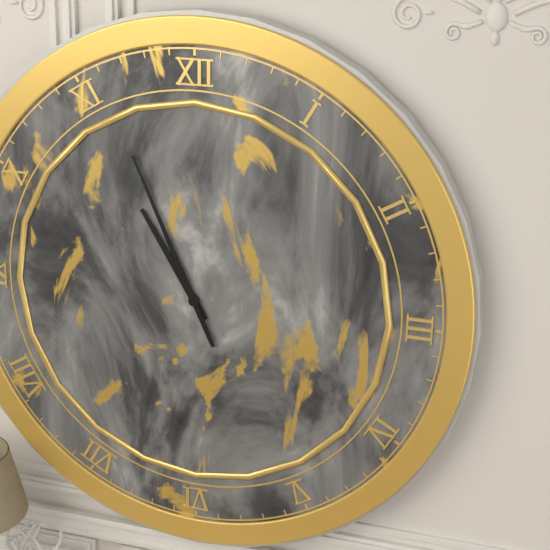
**10:56**
